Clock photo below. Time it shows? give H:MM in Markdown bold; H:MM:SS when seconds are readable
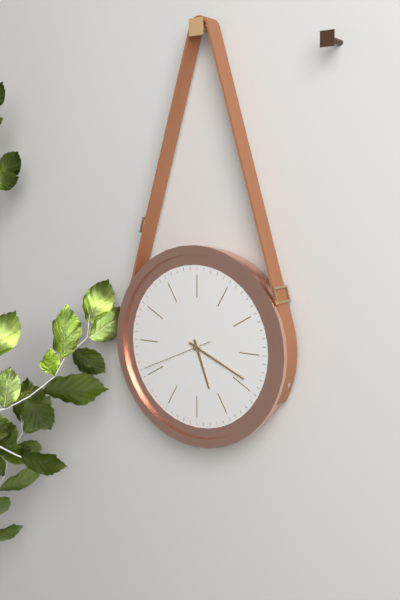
**5:19:41**
